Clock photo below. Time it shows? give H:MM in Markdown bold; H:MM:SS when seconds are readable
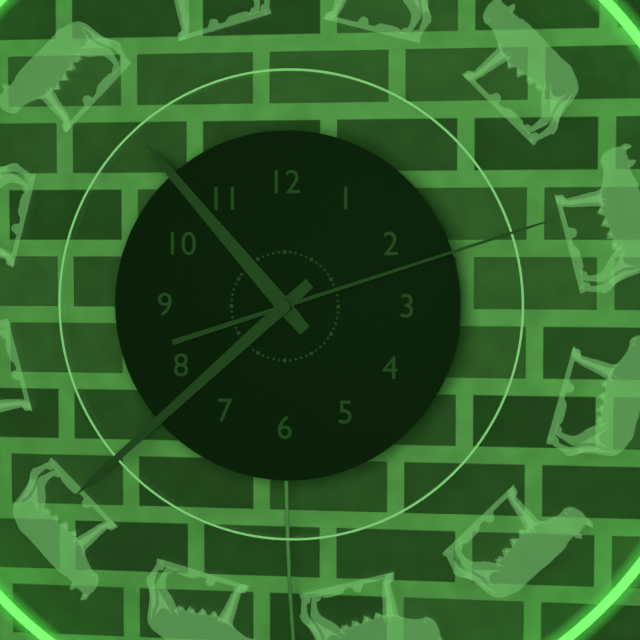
**10:38:12**
